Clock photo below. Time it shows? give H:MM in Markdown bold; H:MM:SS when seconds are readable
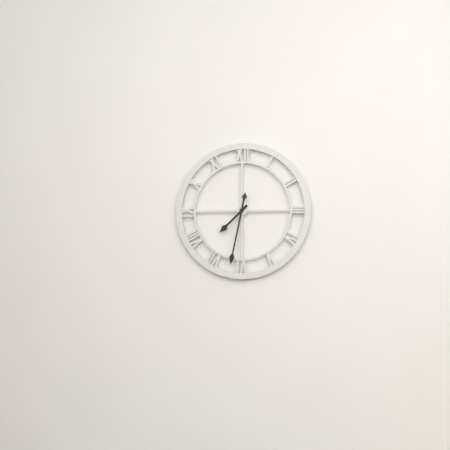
**7:32**
